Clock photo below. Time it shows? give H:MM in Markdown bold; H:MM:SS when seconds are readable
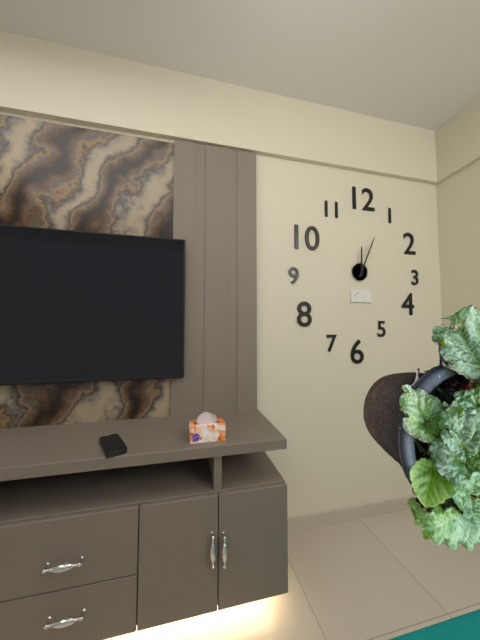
**12:04**
